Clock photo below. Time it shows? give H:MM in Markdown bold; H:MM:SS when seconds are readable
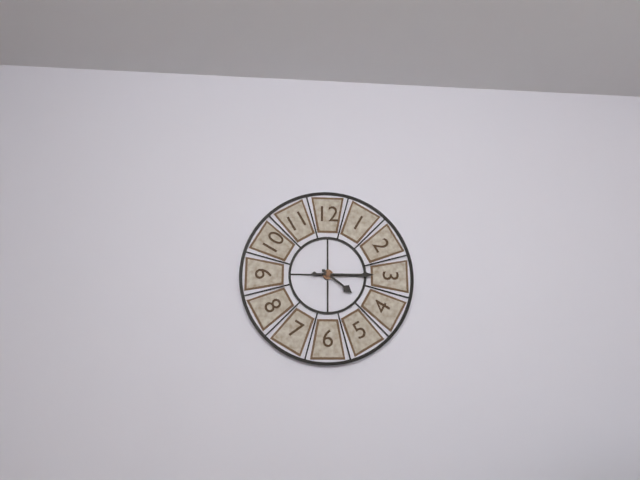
**4:15**
